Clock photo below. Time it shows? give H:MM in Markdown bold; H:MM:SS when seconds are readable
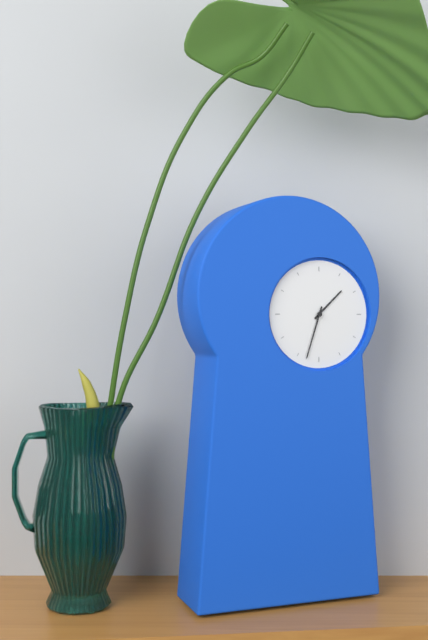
**1:33**
